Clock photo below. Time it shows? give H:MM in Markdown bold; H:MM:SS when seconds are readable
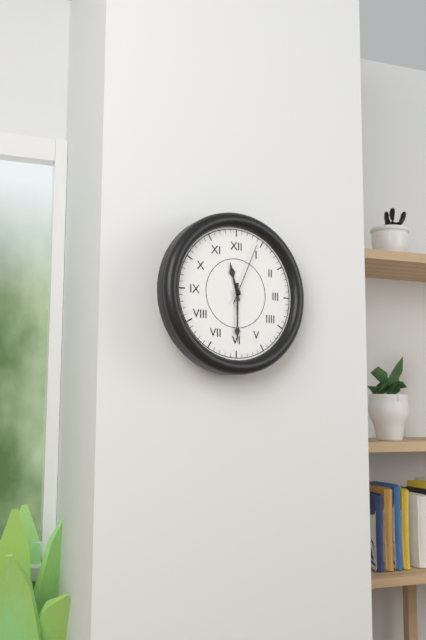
**11:30:04**
